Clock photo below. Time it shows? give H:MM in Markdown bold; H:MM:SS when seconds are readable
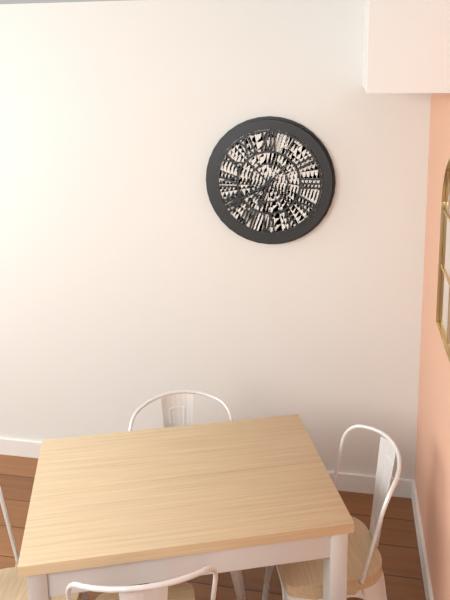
**6:40**
